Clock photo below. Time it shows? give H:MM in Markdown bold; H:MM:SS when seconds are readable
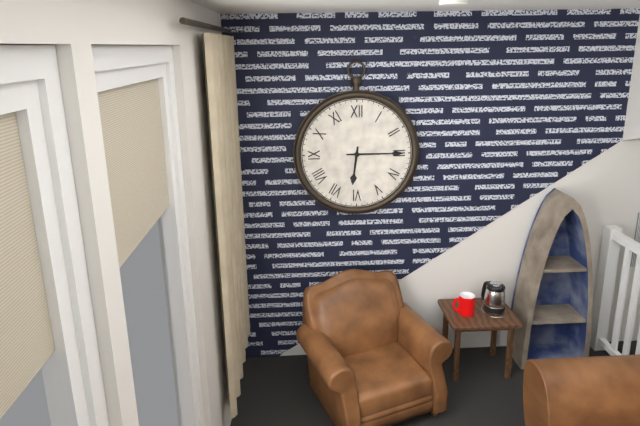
**6:15**
